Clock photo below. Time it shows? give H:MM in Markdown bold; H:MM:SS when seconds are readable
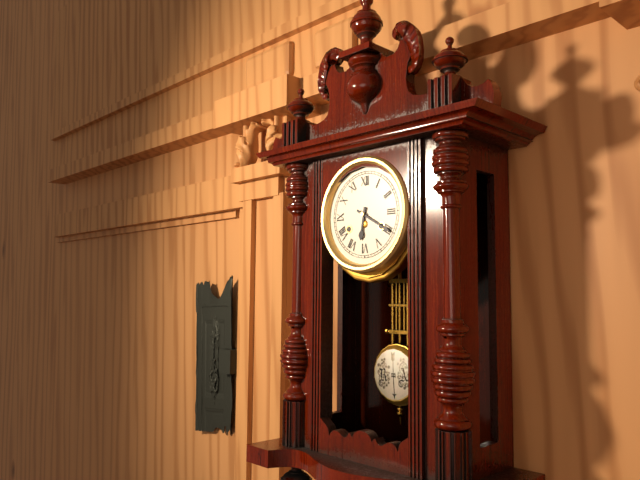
**6:20**
